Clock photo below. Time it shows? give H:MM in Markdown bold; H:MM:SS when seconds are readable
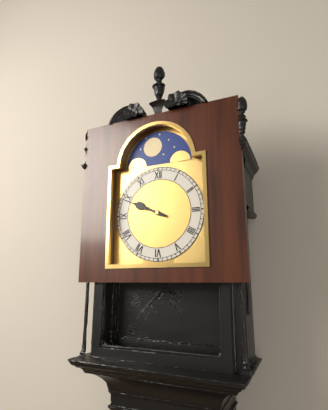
**9:49**
